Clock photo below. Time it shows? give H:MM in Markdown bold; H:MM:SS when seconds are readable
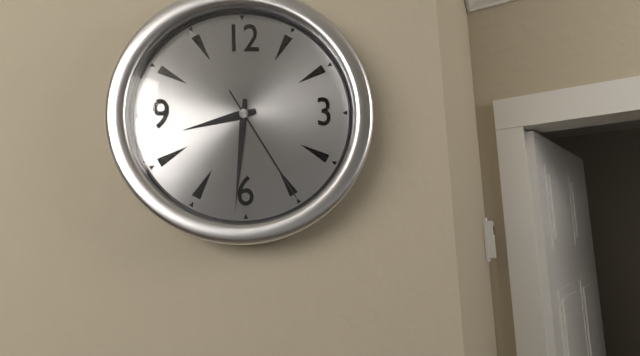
**8:31:25**
